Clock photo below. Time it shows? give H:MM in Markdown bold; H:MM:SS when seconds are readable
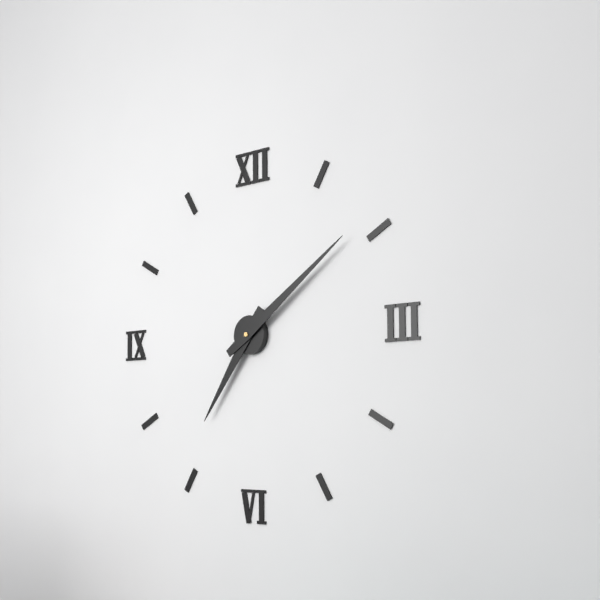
**7:09**
